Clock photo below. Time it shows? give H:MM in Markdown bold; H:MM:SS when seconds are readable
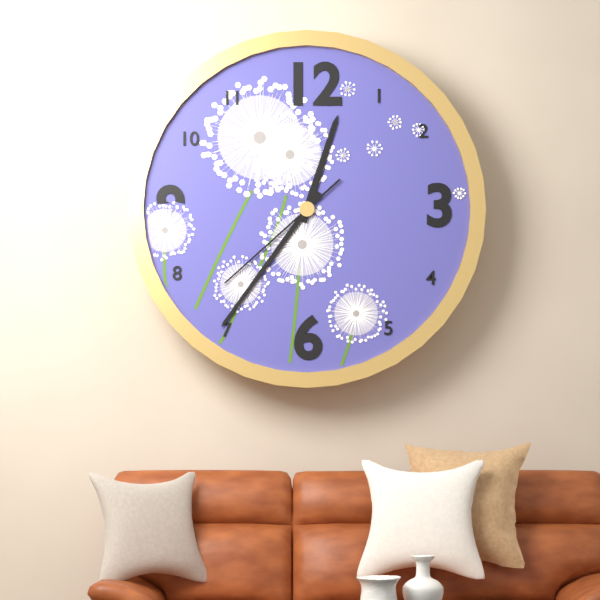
**12:36:38**
